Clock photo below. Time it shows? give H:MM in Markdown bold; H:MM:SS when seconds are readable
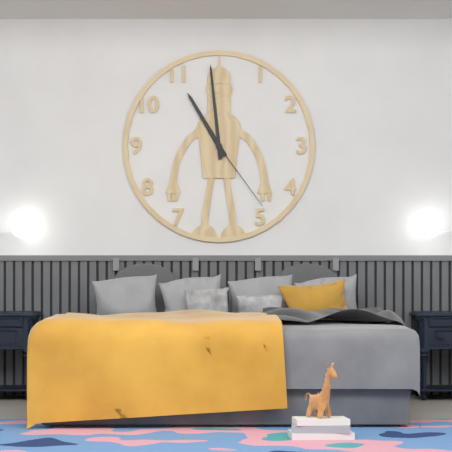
**10:59:24**
